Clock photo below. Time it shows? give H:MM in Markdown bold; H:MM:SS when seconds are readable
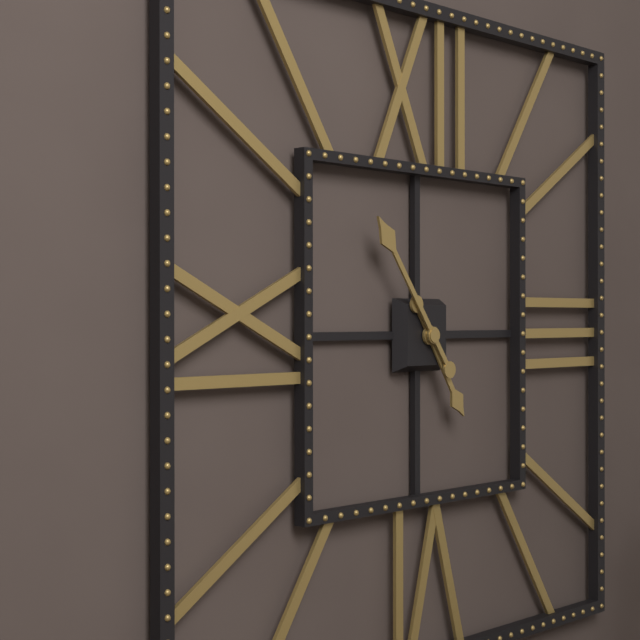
**4:54**
